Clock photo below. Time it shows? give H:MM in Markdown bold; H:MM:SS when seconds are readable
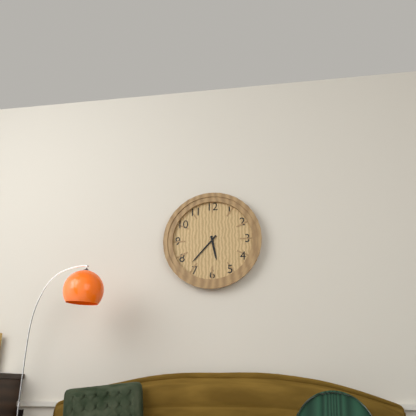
**5:37**
